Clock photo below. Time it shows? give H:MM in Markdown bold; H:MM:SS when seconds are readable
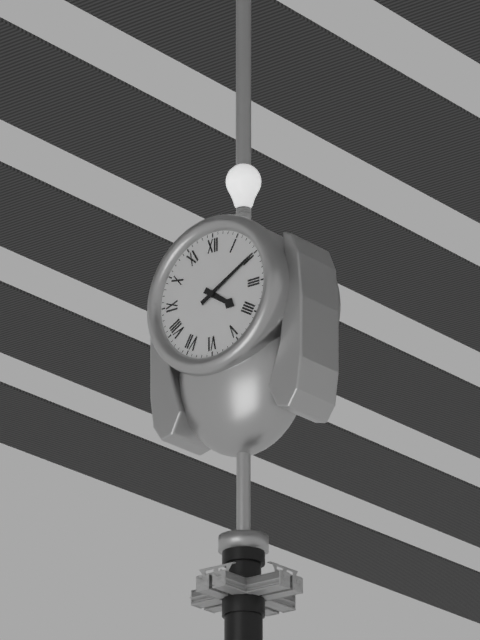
**4:10**
